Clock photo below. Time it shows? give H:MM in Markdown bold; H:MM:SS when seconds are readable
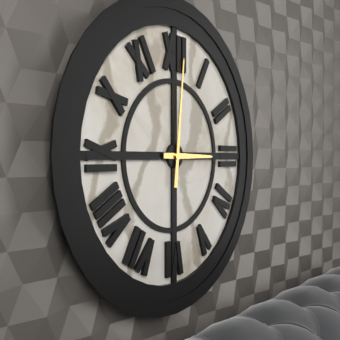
**3:01**
